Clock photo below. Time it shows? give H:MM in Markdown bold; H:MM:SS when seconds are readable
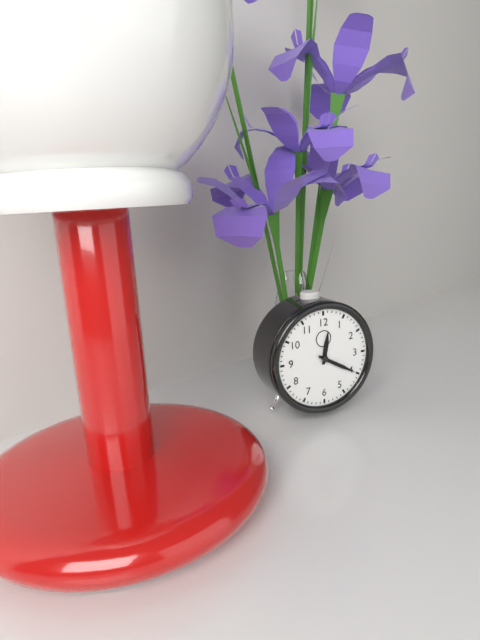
**12:20**
